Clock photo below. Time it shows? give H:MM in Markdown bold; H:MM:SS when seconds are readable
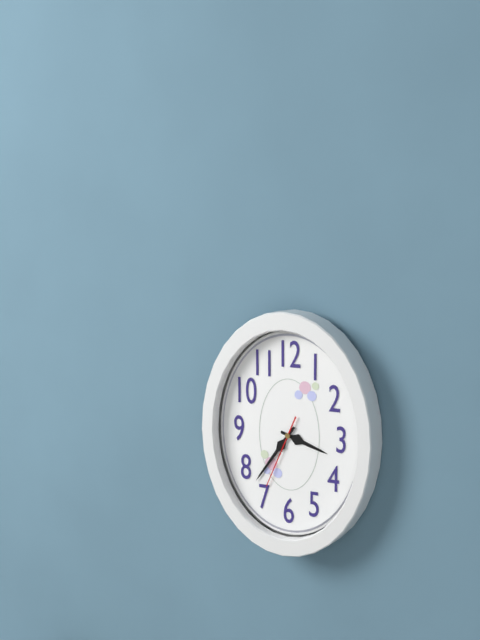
**3:36:34**
